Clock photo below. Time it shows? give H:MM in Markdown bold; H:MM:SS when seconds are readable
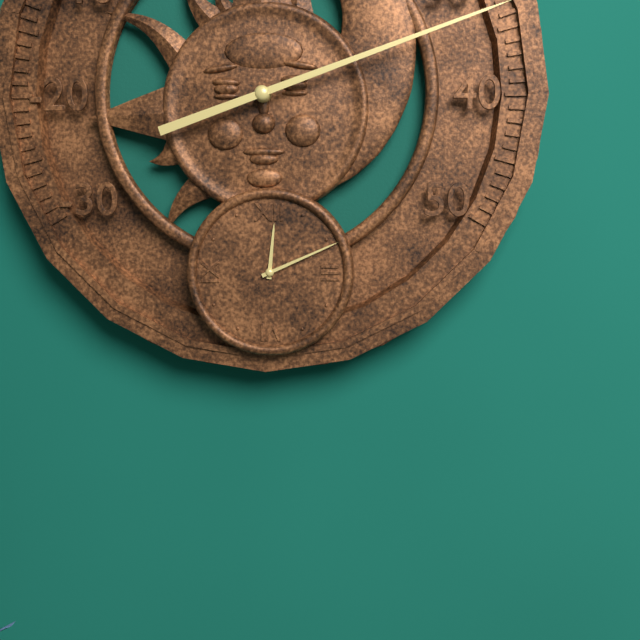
**12:11**
